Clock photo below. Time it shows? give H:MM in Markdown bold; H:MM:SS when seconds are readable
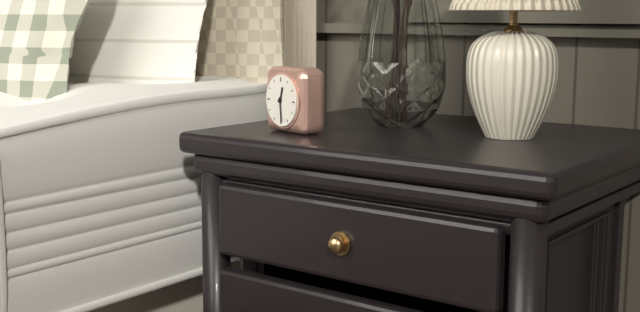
**12:29**
